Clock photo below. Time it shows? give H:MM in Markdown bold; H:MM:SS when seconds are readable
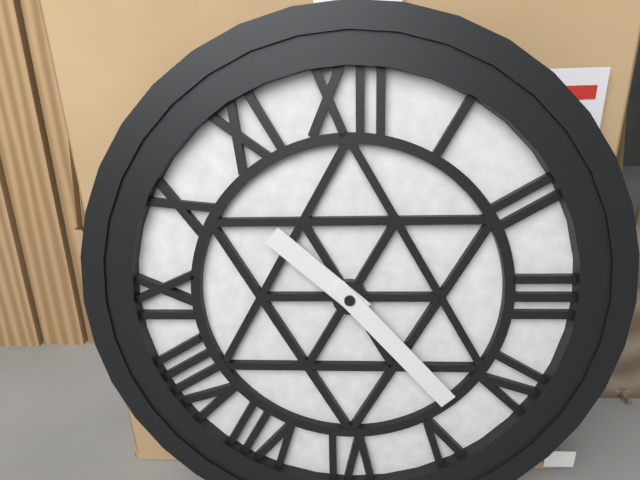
**10:23**
